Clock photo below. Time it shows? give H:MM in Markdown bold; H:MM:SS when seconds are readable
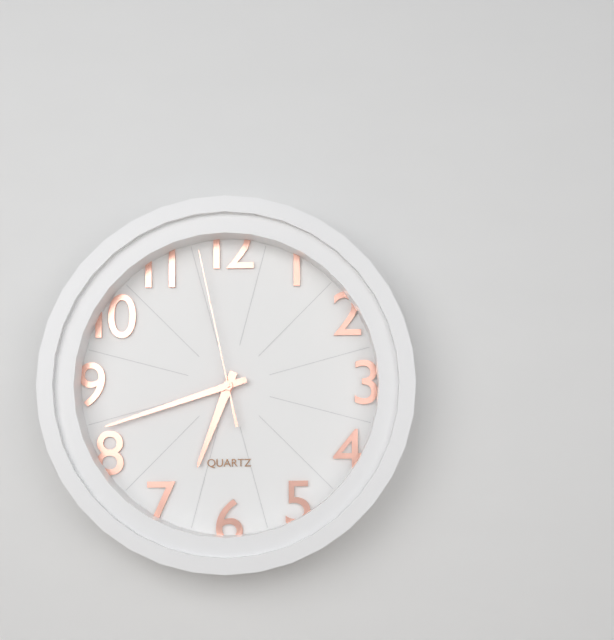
**6:42:58**
